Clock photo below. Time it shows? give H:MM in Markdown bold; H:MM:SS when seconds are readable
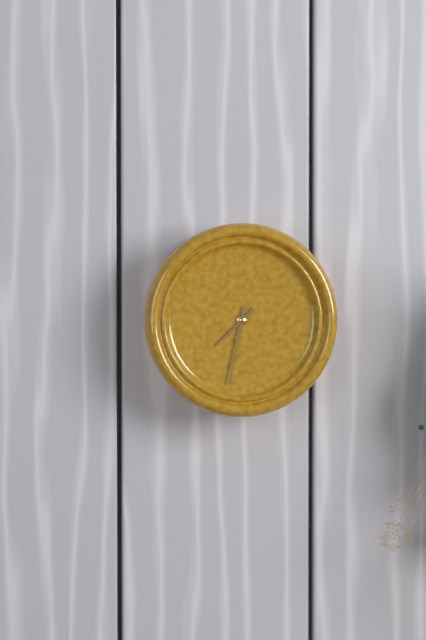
**7:32**
